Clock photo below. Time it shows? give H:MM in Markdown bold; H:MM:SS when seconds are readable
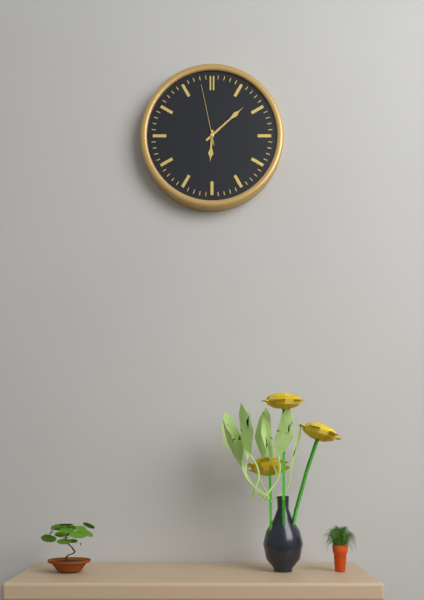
**6:08:58**
